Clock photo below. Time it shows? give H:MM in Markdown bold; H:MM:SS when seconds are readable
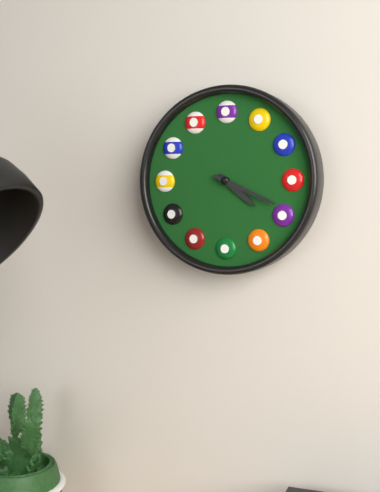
**4:19**
